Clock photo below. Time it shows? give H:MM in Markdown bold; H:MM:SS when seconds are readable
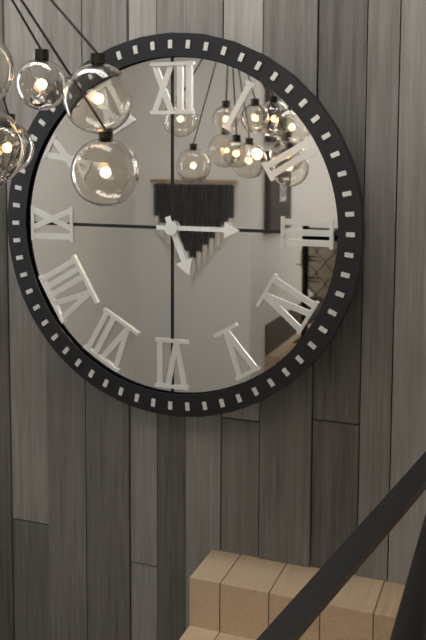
**5:15**
